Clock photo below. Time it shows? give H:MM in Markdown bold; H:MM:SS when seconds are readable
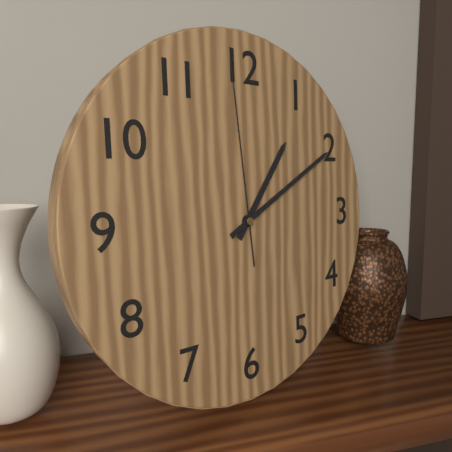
**1:10:59**
